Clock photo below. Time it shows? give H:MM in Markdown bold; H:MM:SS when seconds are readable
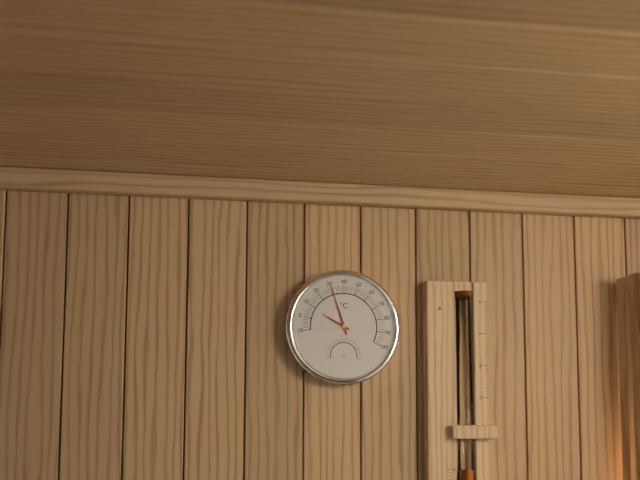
**9:57**
